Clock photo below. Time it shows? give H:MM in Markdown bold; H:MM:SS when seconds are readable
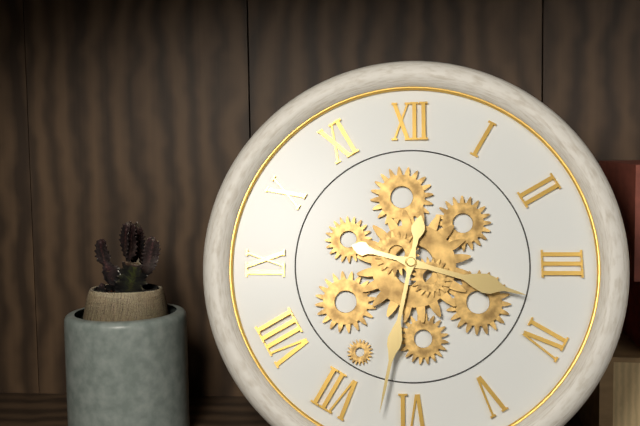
**3:32**
